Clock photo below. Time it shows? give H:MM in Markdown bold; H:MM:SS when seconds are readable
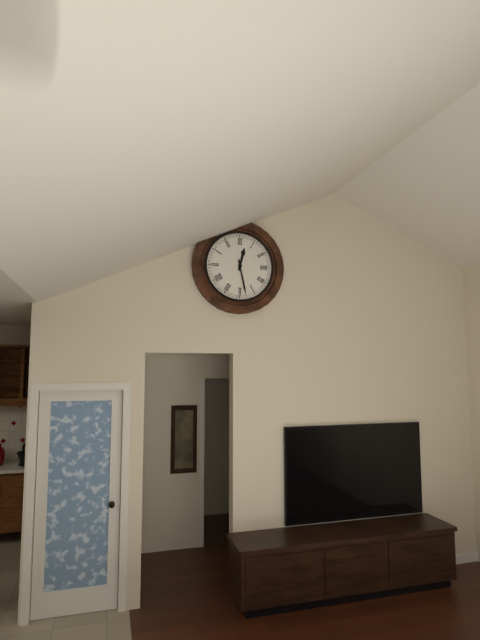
**12:28**
